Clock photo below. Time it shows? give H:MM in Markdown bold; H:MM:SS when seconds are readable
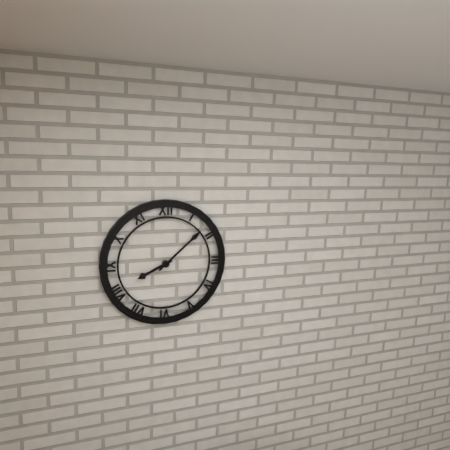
**8:08**
